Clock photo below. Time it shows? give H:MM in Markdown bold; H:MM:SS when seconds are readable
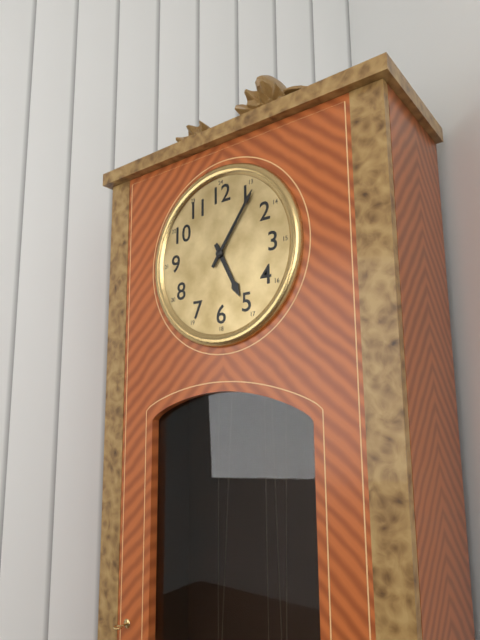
**5:06**
